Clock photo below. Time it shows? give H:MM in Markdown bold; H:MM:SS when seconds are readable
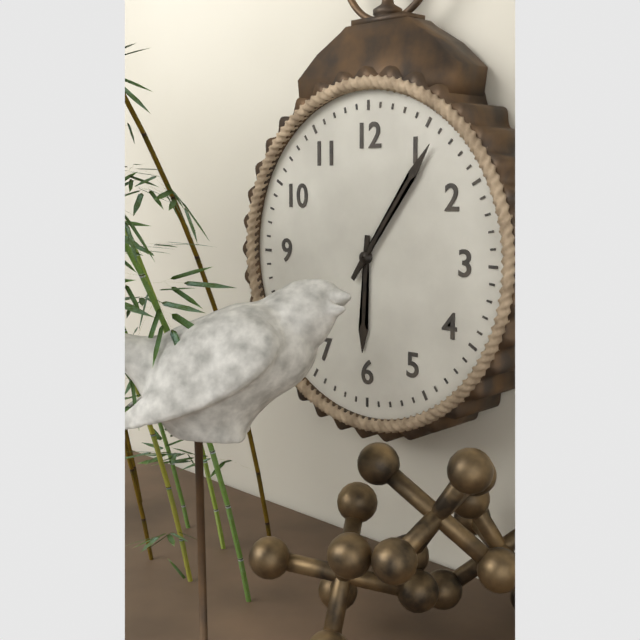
**6:06**
